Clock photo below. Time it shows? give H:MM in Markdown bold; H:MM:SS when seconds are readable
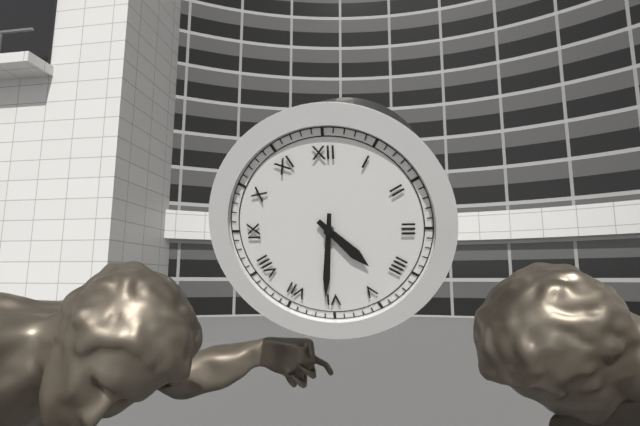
**4:31**
